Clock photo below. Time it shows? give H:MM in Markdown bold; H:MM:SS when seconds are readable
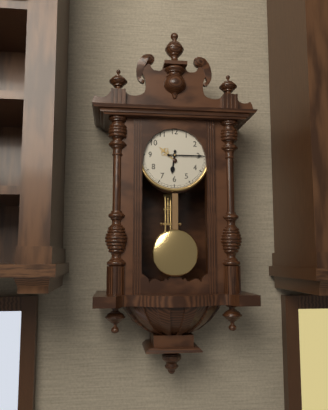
**6:15**
